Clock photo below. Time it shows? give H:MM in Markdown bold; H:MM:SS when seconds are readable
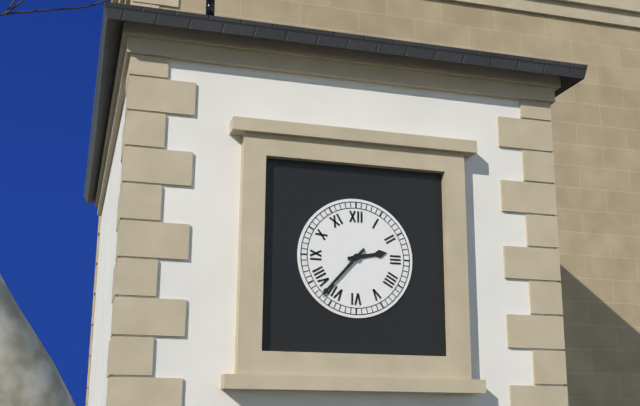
**2:37**
